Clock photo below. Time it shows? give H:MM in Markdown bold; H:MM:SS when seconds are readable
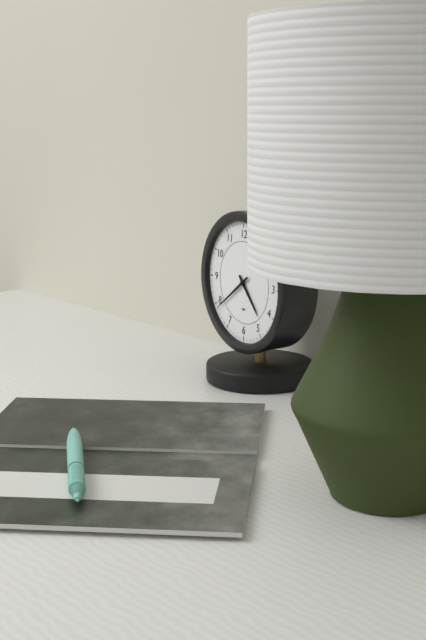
**4:39**
